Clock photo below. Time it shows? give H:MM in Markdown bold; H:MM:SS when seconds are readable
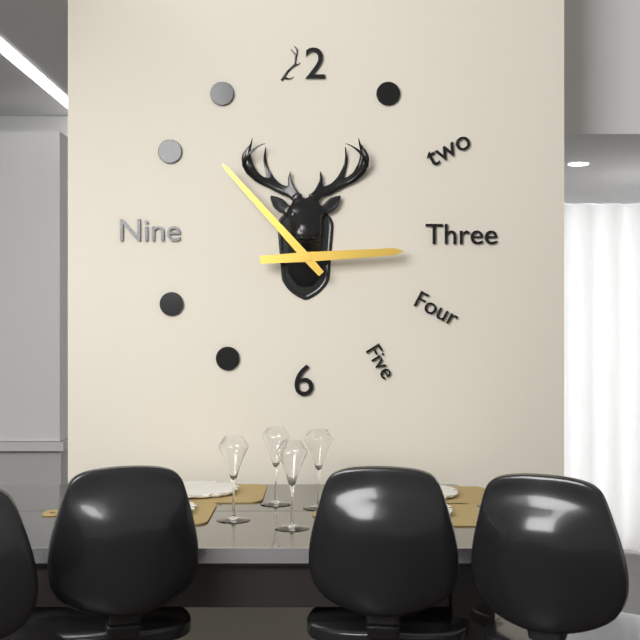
**2:53**
